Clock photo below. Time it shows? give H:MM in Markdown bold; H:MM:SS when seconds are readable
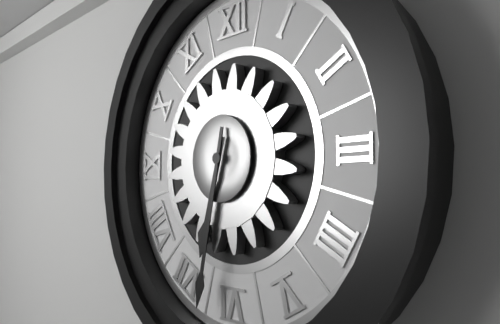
**6:32**
